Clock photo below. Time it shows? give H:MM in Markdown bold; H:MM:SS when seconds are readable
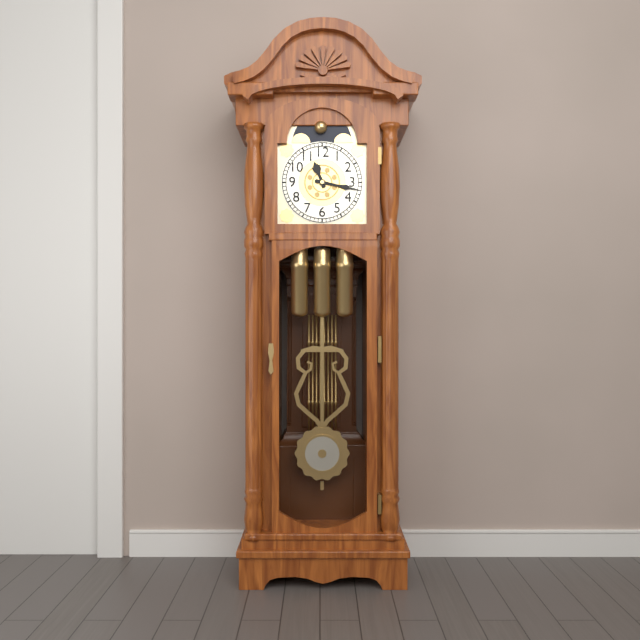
**11:17**
